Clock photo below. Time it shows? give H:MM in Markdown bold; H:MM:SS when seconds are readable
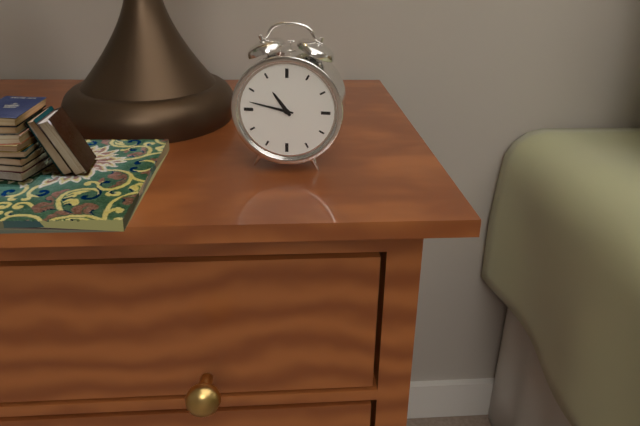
**10:47**
